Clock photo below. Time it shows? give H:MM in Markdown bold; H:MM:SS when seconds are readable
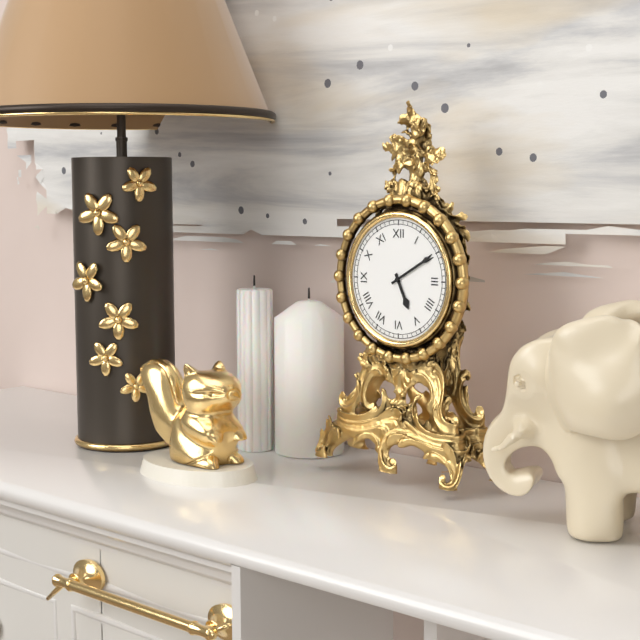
**5:10**
